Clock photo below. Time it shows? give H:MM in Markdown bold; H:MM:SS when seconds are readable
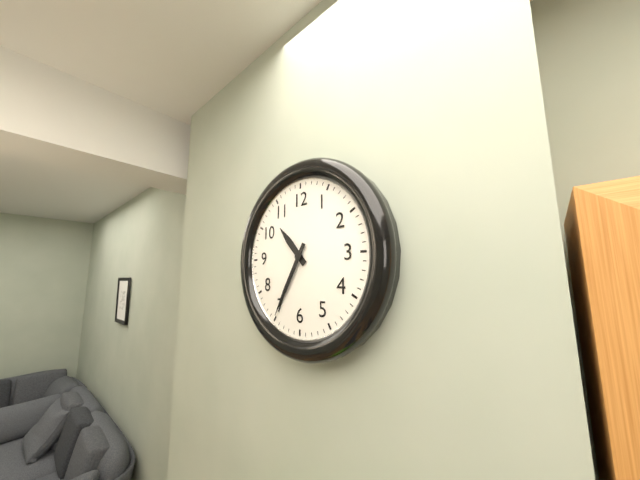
**10:35**
